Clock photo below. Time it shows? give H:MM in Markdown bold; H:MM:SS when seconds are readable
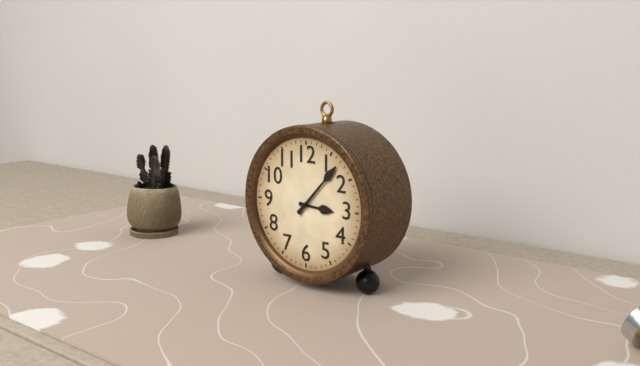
**3:07**
